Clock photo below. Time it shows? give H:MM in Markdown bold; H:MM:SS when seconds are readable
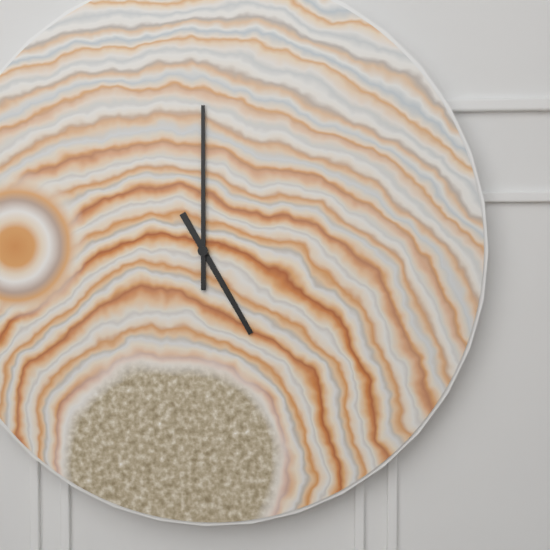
**5:00**
